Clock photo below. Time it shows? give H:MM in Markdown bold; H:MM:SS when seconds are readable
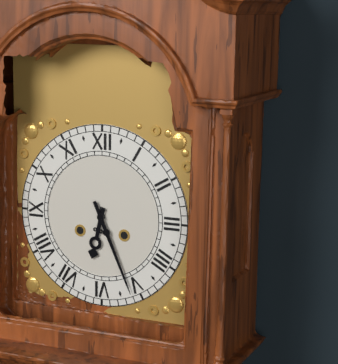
**6:26**
